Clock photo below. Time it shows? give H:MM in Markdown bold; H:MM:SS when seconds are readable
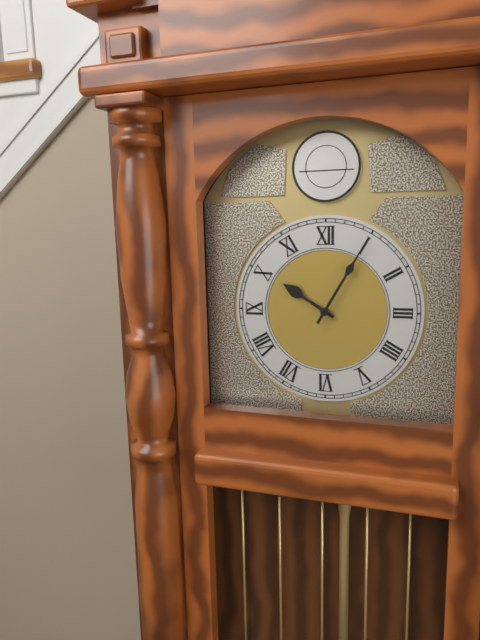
**10:05**
